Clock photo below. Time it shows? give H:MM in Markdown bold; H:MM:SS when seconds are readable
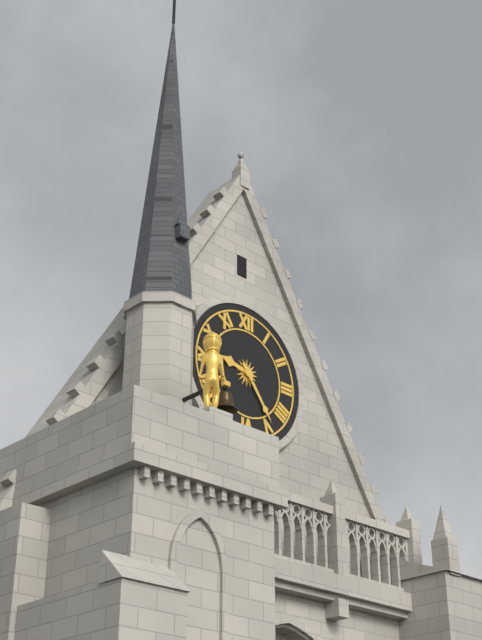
**9:24**
